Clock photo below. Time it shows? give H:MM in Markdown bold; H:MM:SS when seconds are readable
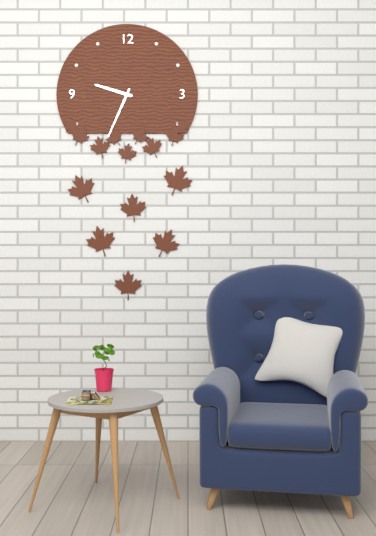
**9:34**
